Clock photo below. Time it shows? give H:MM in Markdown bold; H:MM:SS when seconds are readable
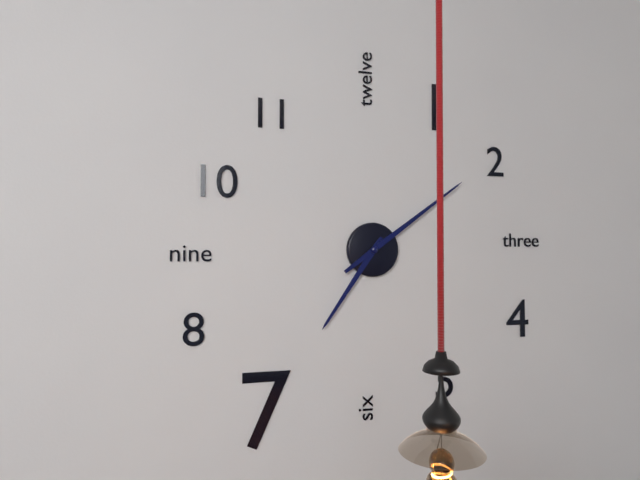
**7:09**
